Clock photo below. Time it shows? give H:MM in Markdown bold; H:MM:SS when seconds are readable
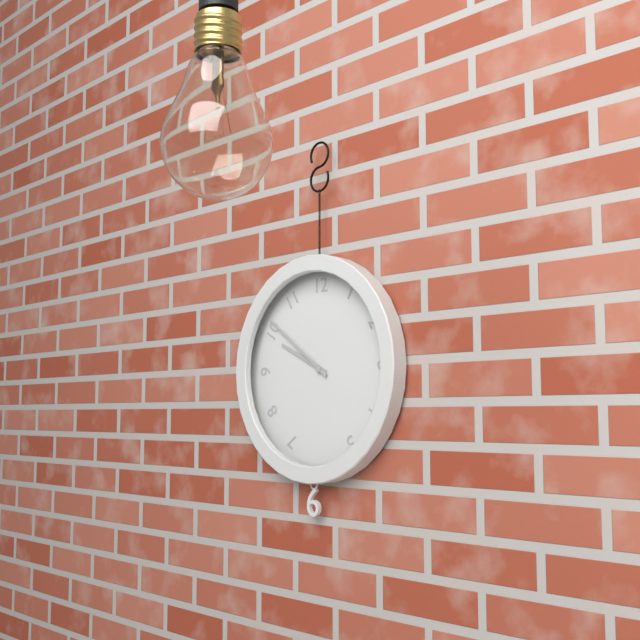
**9:51**
